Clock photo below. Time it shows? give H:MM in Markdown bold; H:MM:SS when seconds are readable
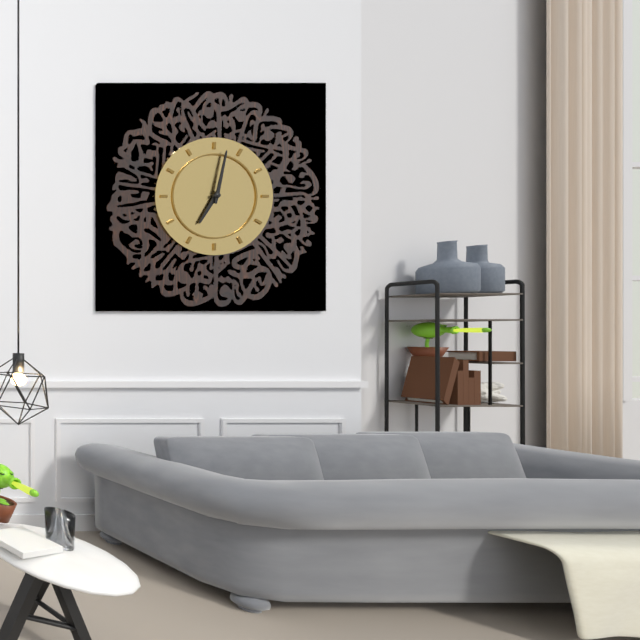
**7:02**
